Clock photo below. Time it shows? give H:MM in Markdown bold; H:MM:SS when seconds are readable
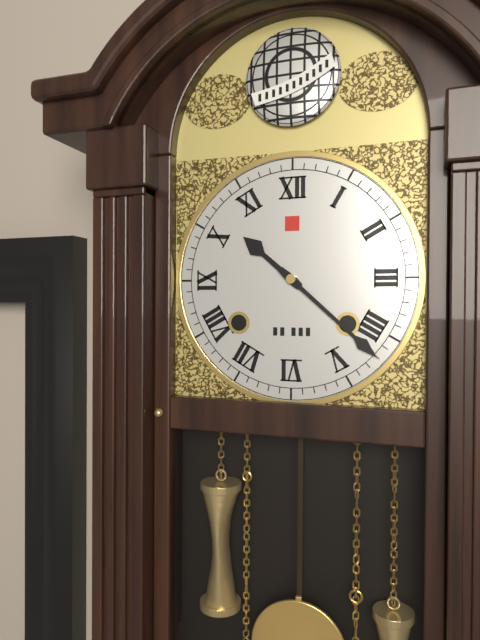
**10:22**
